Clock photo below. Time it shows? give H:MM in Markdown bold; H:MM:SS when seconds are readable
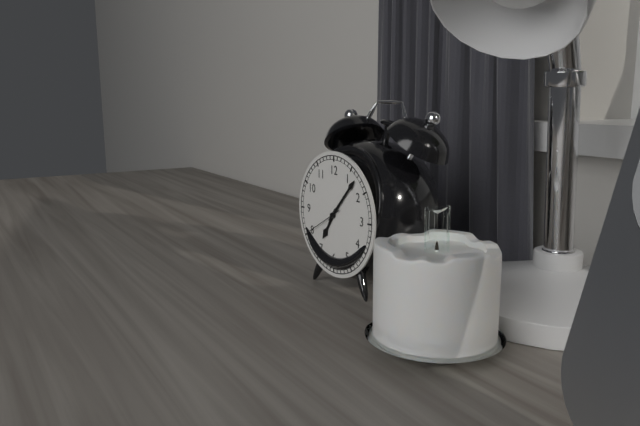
**7:07**
